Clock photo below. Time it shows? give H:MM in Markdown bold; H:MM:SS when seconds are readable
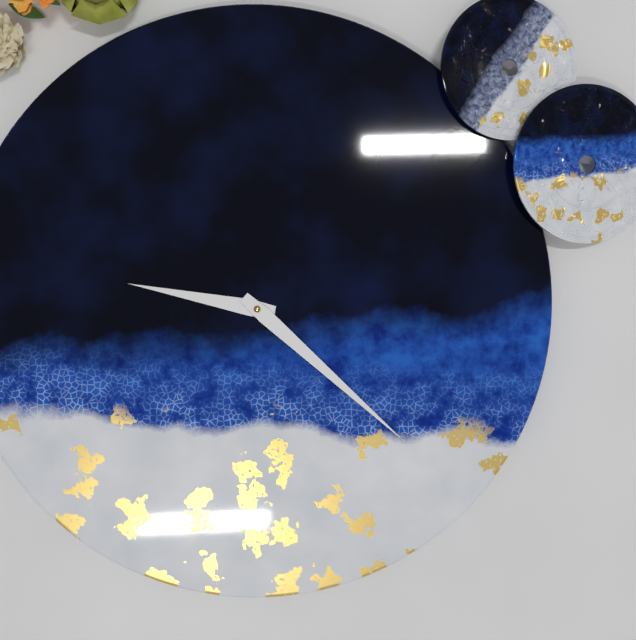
**9:22**
